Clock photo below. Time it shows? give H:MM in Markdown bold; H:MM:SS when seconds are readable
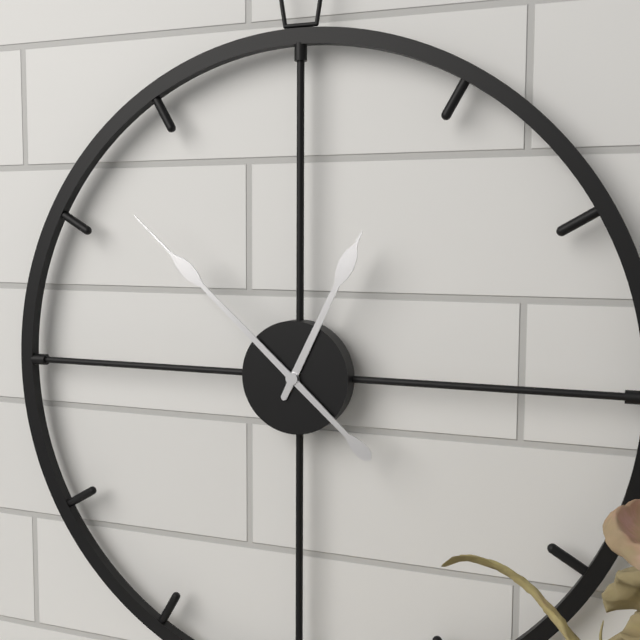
**12:52**
